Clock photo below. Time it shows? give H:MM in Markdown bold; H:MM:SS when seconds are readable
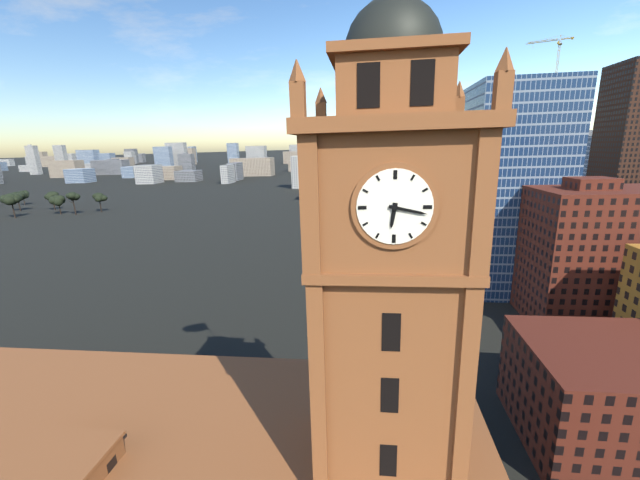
**6:17**
